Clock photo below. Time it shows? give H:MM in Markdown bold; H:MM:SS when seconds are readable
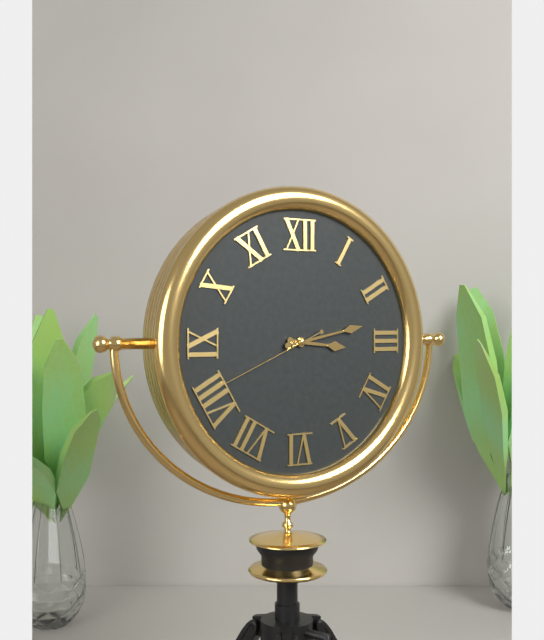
**3:13:41**
